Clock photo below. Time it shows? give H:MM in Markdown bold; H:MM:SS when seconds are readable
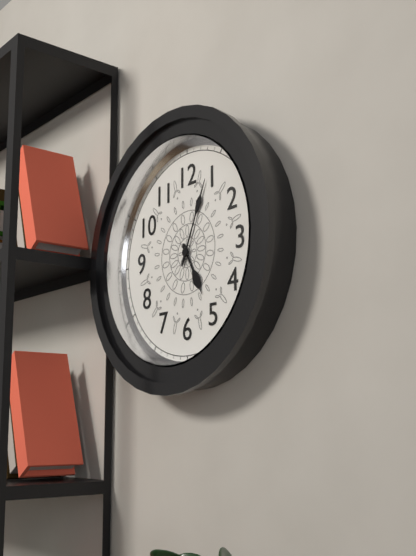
**5:04**
